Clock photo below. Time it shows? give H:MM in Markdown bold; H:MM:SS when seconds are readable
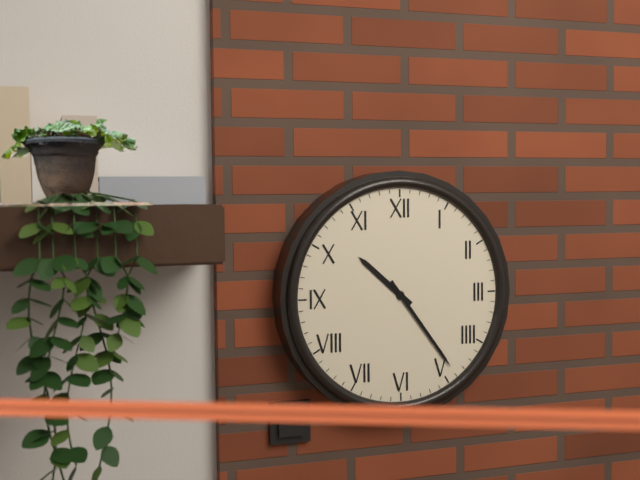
**10:24**
